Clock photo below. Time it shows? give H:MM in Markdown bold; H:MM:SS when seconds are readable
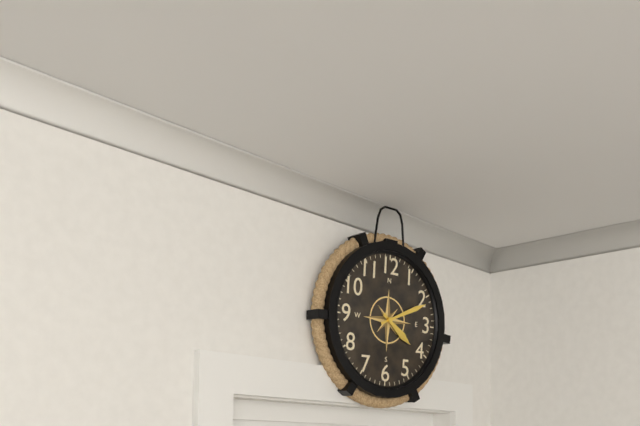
**4:11**
